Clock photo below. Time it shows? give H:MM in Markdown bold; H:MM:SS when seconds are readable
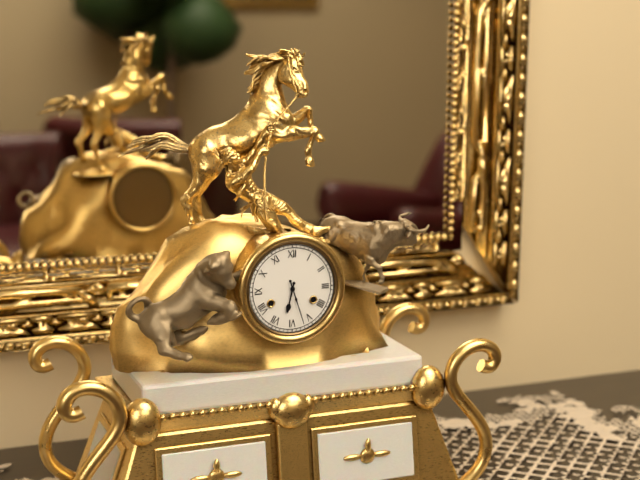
**6:27**
